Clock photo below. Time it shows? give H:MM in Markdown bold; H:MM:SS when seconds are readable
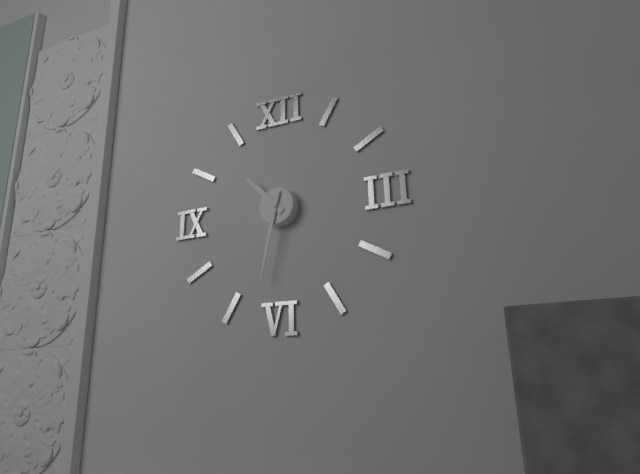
**10:32**
